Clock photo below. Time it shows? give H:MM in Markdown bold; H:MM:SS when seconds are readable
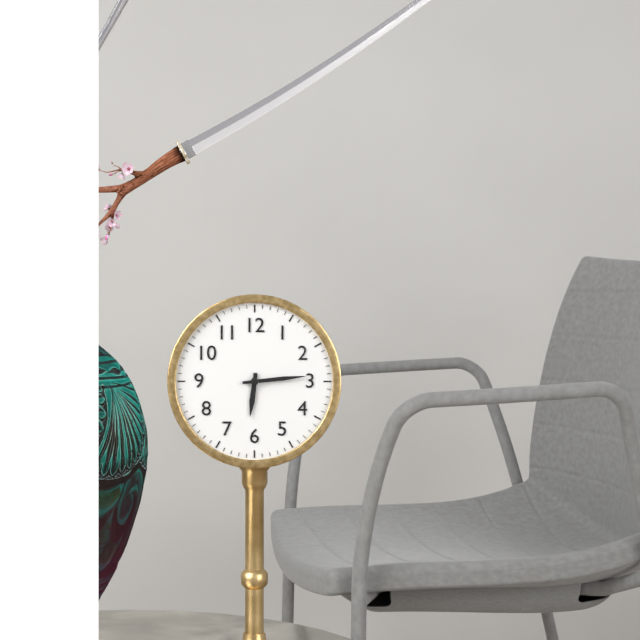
**6:14**
